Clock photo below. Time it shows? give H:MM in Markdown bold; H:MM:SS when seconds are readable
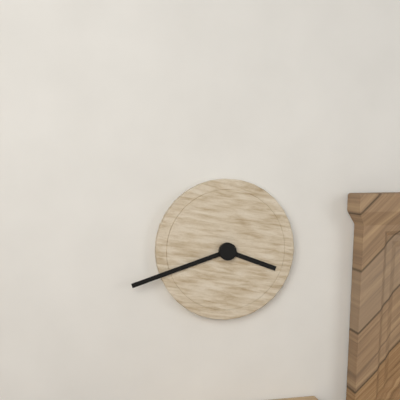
**3:42**
